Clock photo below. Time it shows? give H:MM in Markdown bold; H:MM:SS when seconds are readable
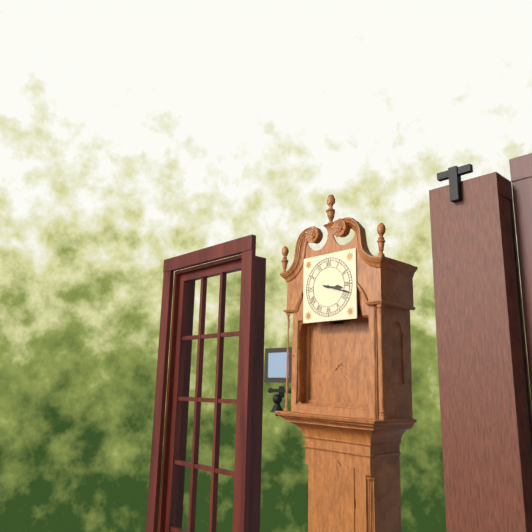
**3:18**
